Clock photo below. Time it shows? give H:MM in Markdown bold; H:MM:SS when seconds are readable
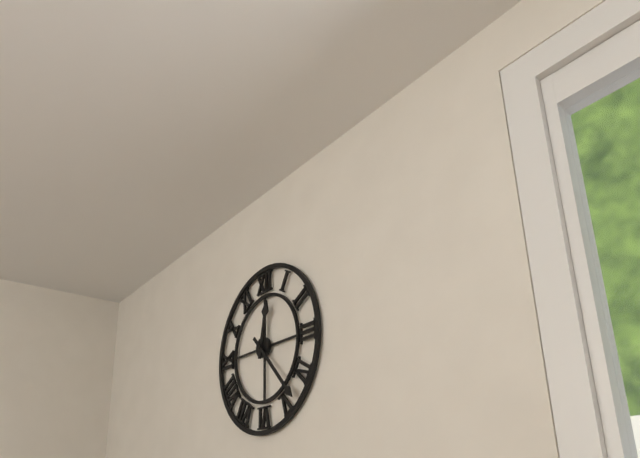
**12:23**
